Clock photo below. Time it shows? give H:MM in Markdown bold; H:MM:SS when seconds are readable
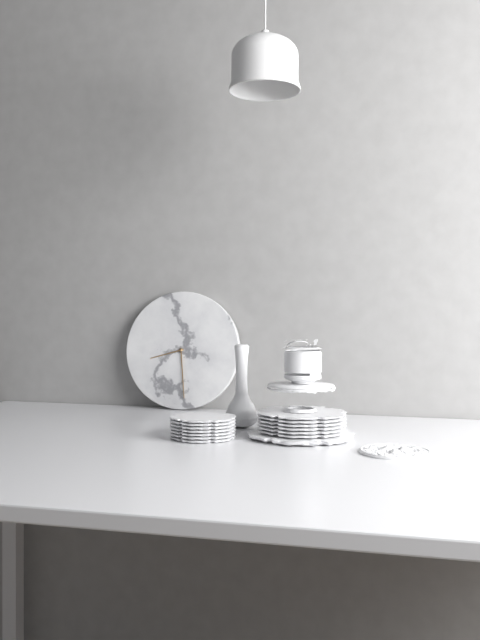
**8:29**
